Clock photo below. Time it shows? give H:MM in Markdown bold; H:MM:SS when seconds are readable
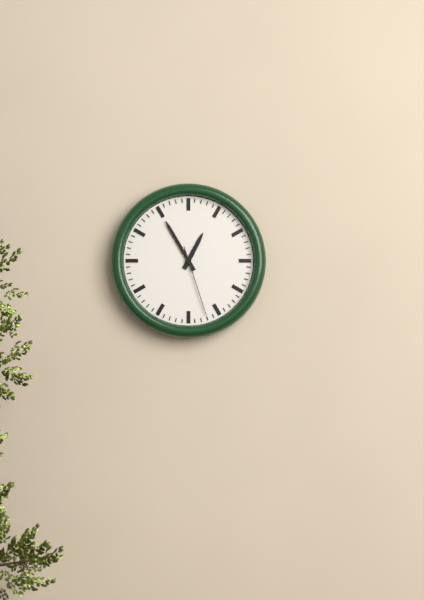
**12:55:27**
